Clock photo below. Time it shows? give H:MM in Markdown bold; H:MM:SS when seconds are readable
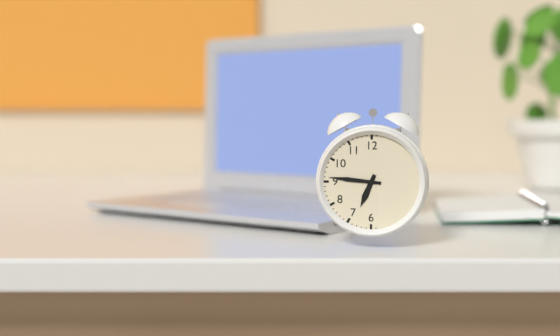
**6:46**
